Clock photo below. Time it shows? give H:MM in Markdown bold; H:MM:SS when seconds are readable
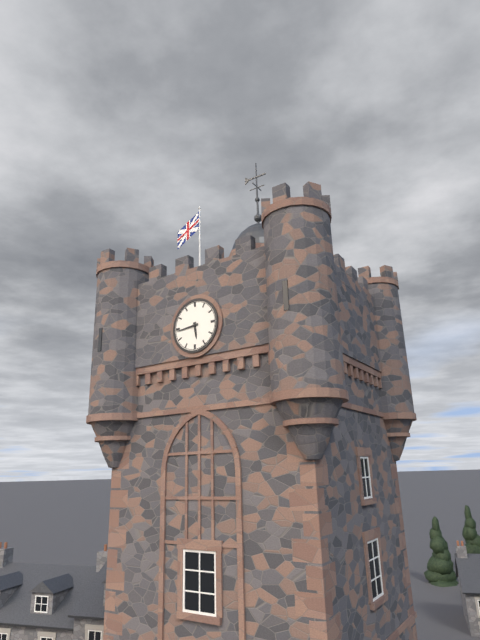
**5:44**
